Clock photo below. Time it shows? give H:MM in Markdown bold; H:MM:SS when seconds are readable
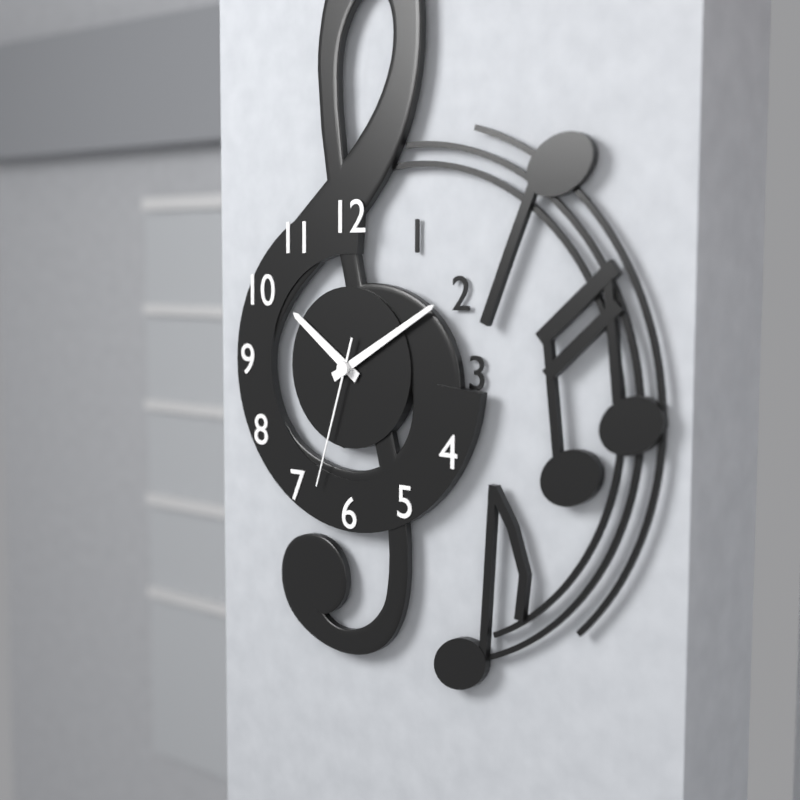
**10:10:33**
